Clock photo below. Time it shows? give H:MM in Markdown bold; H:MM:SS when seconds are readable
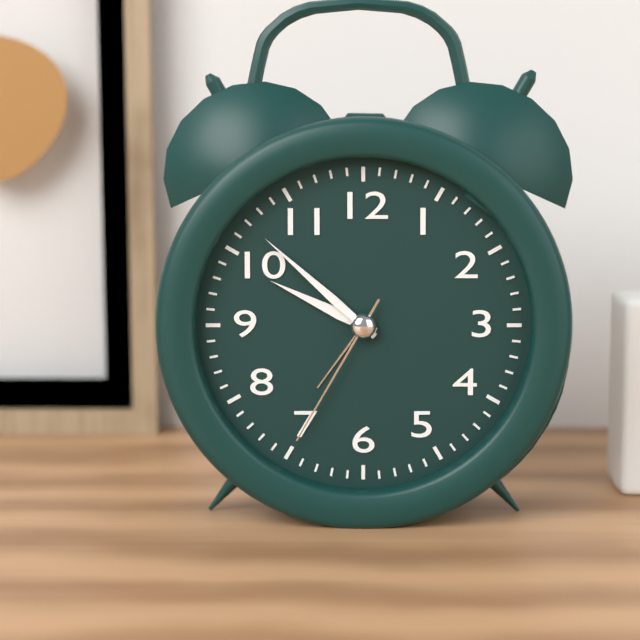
**9:52:35**
